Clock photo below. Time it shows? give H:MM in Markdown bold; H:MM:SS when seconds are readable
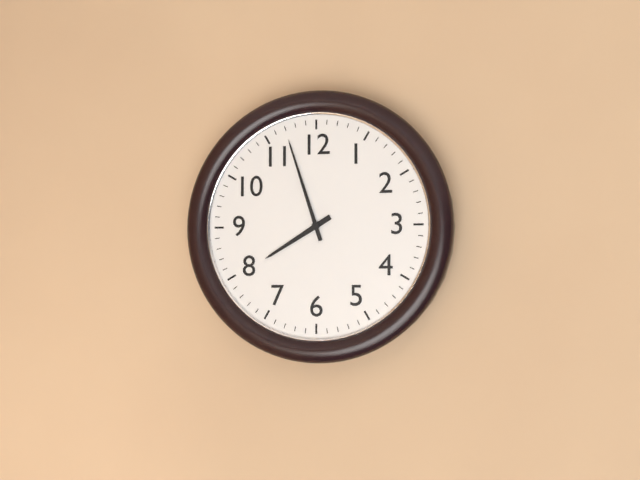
**7:57**
